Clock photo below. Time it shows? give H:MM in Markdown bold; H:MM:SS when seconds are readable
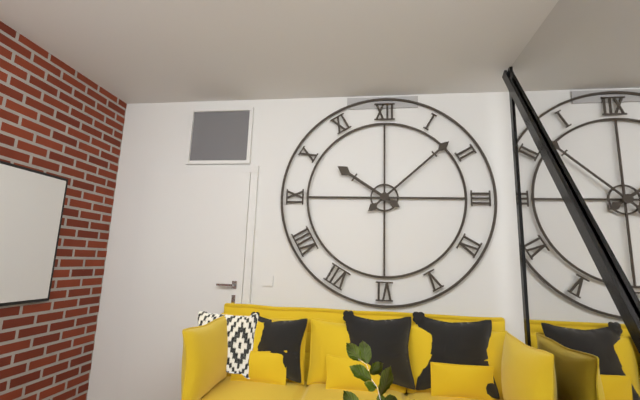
**10:08**
